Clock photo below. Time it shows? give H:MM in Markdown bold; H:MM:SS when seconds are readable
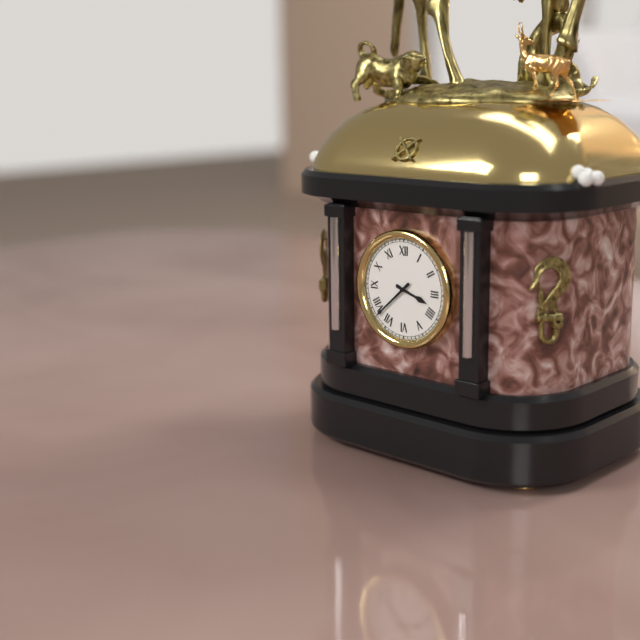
**3:38**
